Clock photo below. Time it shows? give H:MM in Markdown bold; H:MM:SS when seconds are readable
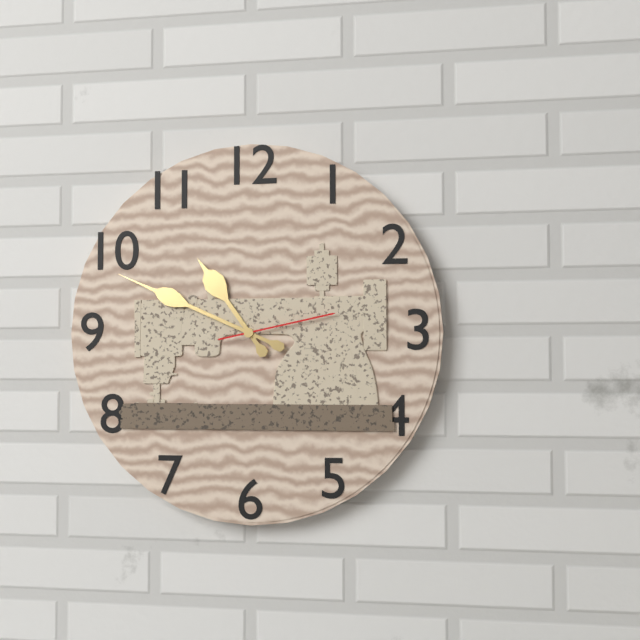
**10:49:13**
